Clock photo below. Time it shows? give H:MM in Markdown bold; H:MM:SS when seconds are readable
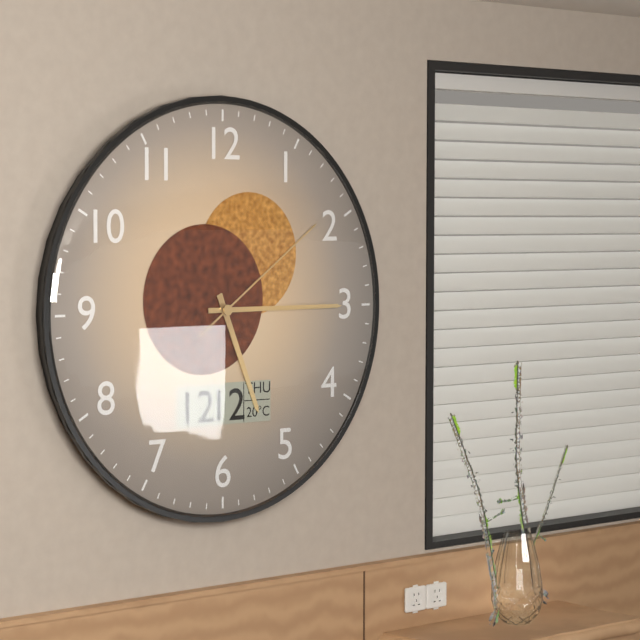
**5:15:09**
